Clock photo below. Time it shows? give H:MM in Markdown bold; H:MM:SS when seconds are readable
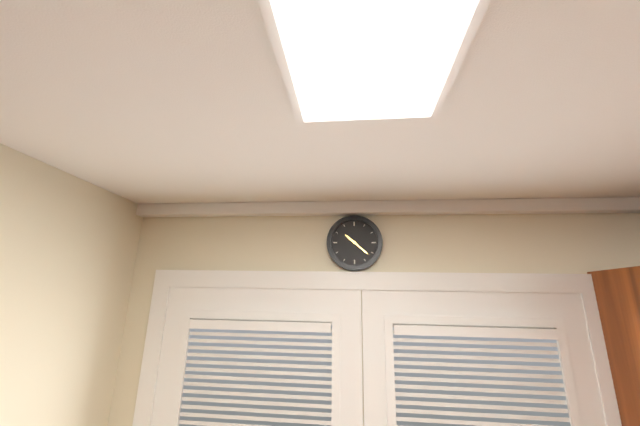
**10:22**
